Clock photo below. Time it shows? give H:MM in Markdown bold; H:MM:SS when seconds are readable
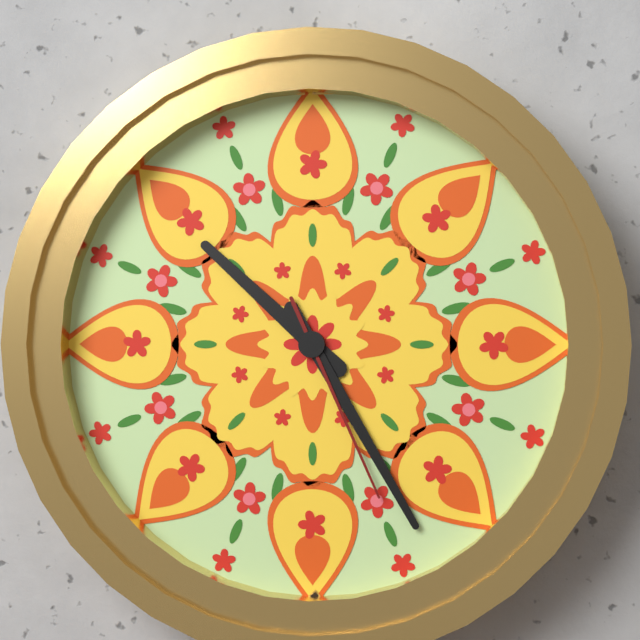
**10:25:26**
